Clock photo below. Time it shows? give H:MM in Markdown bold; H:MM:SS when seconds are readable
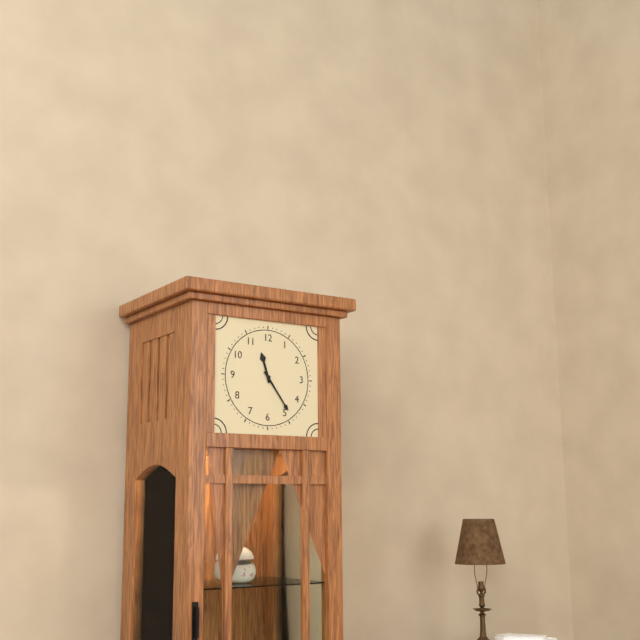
**11:24**
